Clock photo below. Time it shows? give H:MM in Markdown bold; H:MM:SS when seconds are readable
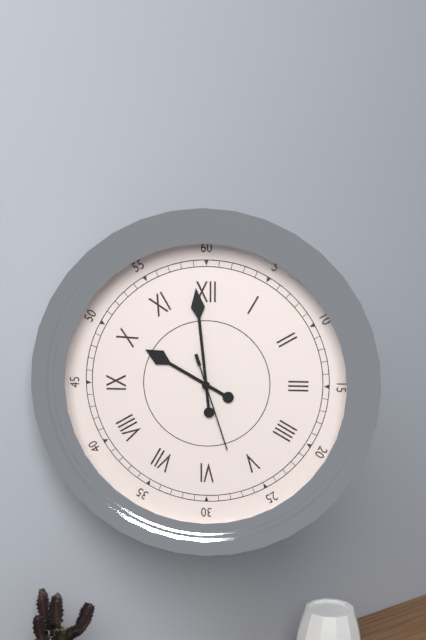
**9:59:27**
